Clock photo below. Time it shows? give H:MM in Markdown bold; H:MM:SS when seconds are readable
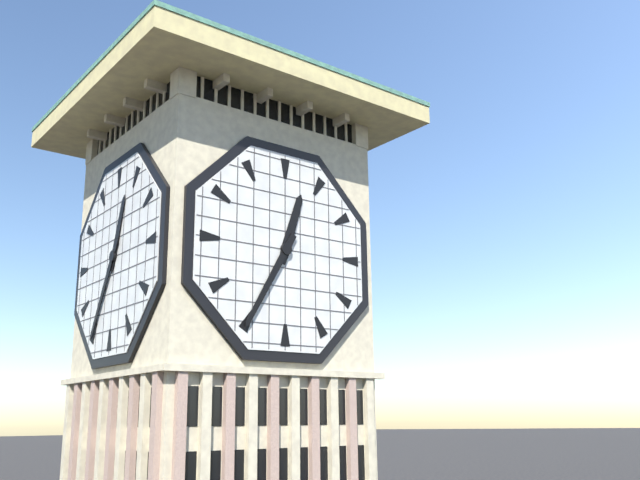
**12:35**
